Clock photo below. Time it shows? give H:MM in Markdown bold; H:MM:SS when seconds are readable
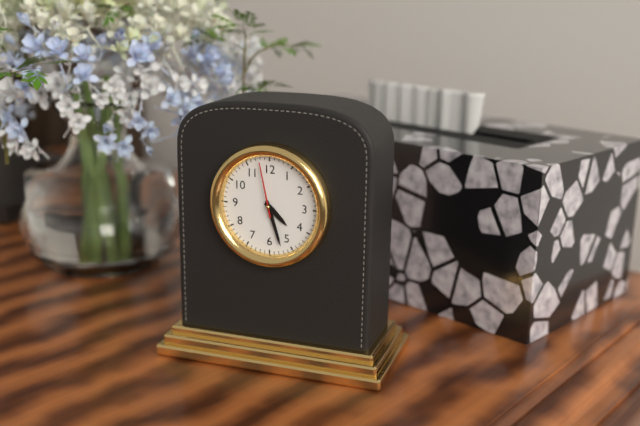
**4:27:58**
